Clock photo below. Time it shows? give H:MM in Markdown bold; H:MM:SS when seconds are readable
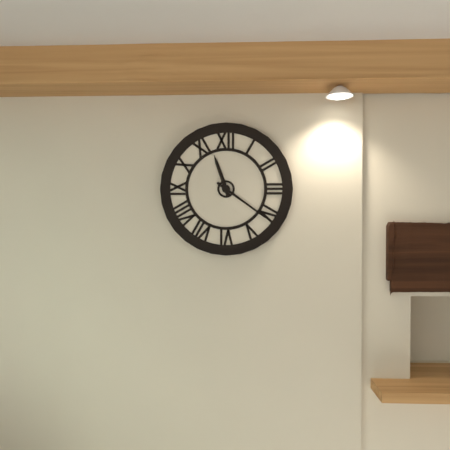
**11:21**
